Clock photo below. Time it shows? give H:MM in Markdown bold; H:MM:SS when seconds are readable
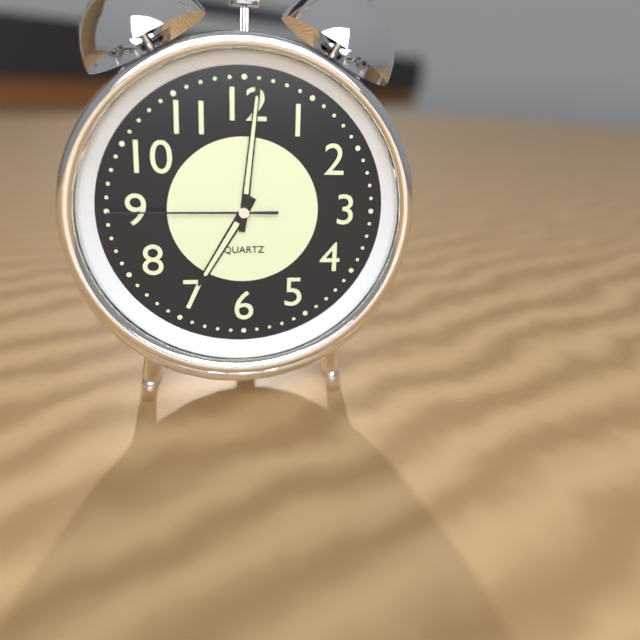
**7:01:45**
